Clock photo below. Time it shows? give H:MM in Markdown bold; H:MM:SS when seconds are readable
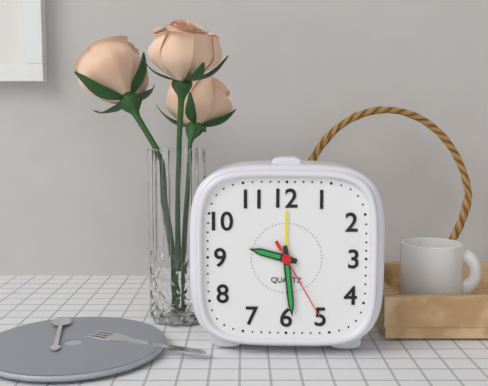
**9:29:25**
